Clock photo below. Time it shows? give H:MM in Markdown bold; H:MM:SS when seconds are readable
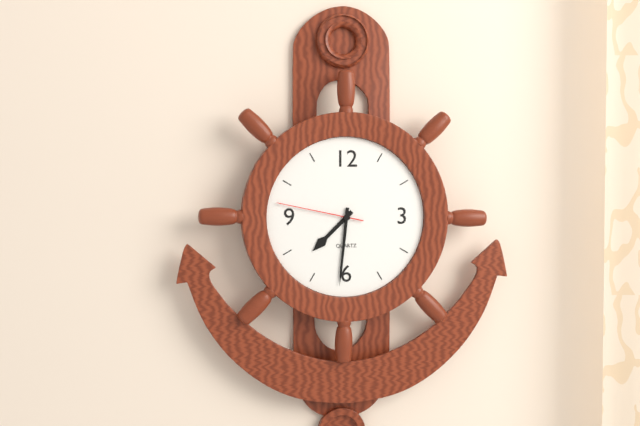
**7:31:47**
